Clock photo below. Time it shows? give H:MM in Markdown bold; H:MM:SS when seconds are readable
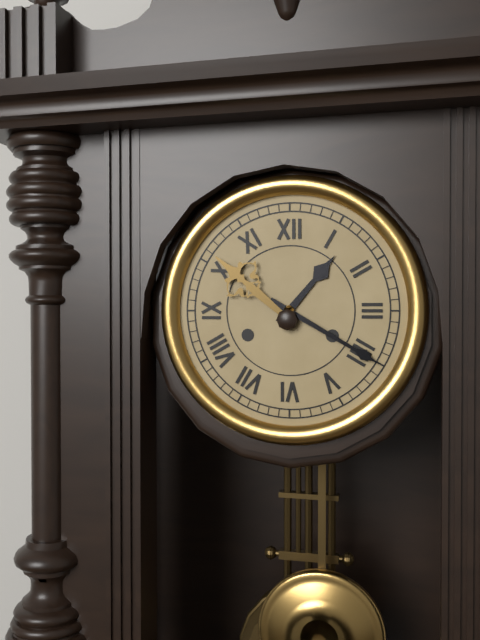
**1:20**
